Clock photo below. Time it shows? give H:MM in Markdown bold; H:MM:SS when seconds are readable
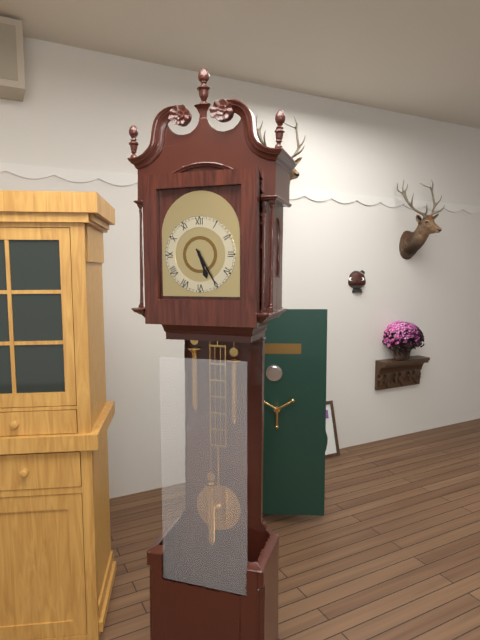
**5:25**
